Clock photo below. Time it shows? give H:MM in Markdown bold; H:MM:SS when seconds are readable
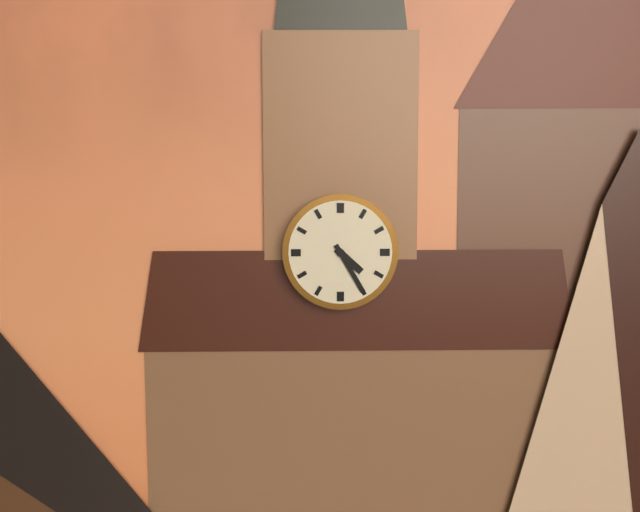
**4:25**
